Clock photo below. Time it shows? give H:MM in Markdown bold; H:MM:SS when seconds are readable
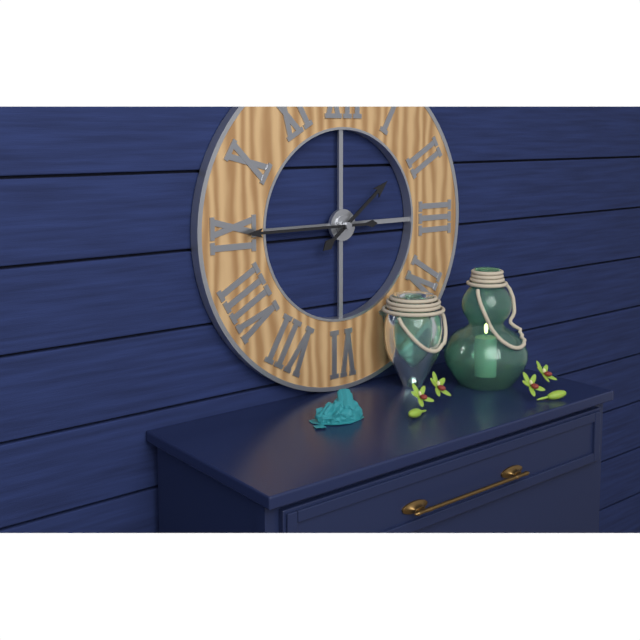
**1:45**
